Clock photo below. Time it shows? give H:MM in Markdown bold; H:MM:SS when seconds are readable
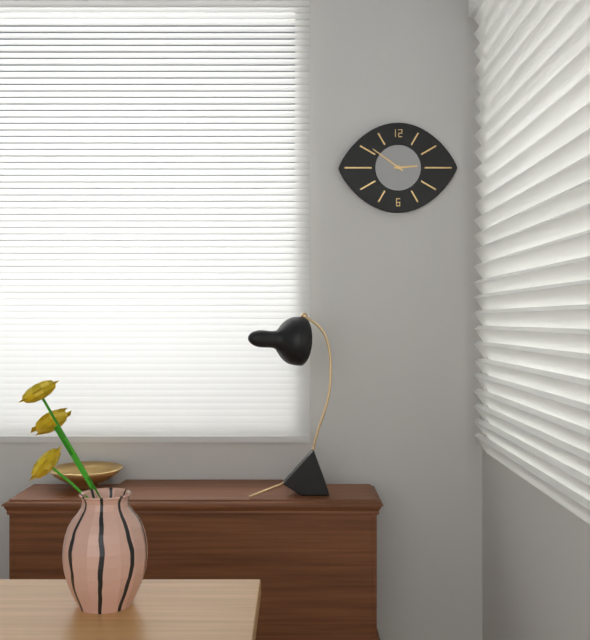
**2:51**
